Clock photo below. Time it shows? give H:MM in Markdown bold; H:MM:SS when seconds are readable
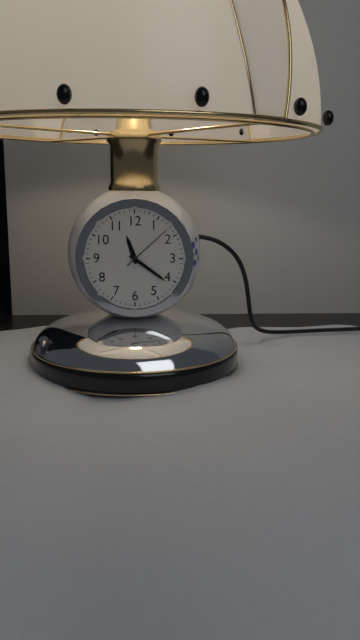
**11:21:08**
